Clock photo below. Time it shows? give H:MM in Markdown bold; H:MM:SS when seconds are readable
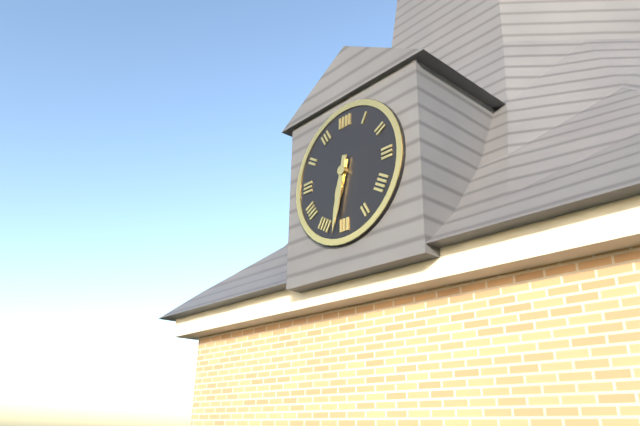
**6:32**
